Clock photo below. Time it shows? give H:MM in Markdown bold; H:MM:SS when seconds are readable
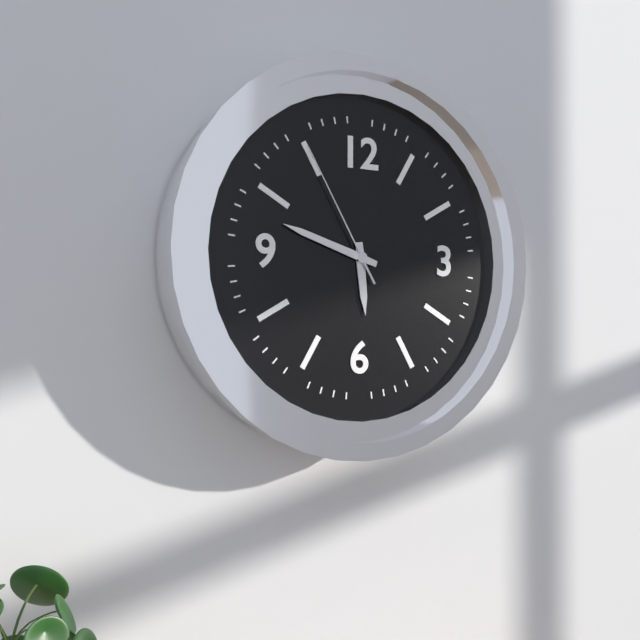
**5:48:55**
